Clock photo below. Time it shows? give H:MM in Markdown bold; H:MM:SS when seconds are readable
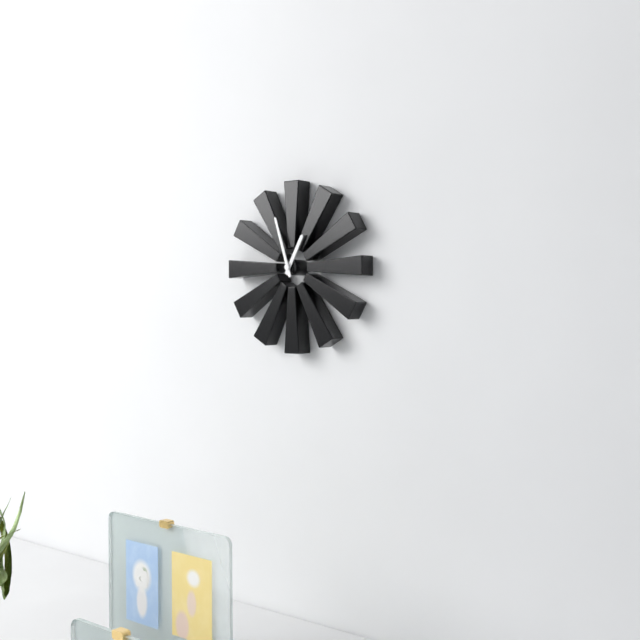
**12:57**
